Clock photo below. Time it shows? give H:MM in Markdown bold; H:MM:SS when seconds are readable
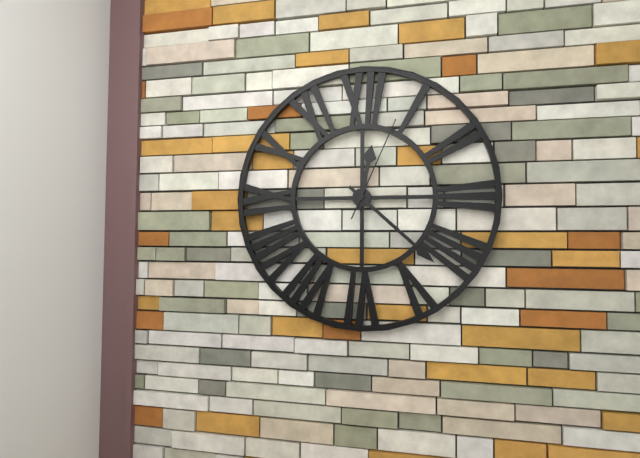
**12:22:04**
